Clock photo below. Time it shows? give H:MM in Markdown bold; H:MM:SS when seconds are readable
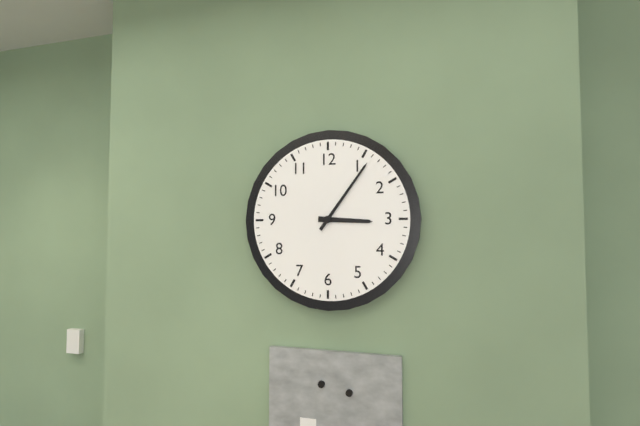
**3:06**
